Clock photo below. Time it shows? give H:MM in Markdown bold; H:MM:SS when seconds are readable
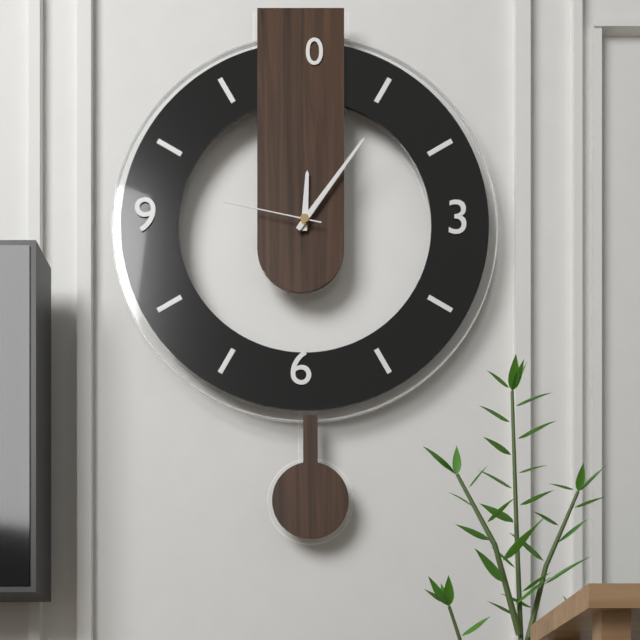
**12:06:47**
